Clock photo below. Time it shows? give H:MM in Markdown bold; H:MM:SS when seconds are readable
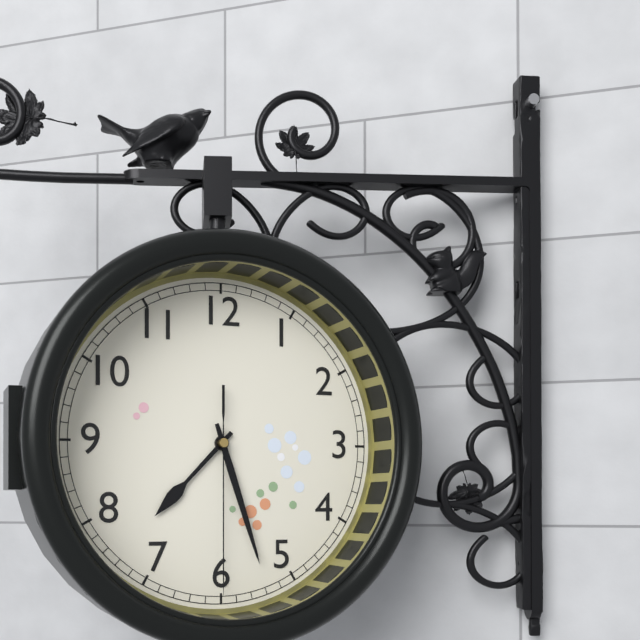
**7:27:30**
